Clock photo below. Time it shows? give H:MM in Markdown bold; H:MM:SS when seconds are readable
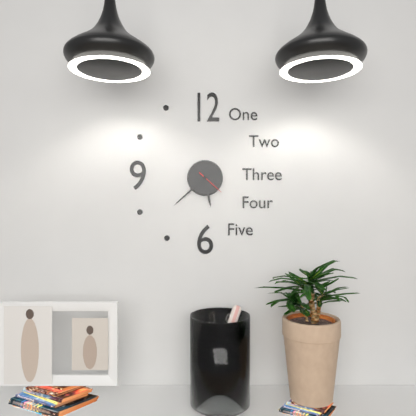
**5:38**
